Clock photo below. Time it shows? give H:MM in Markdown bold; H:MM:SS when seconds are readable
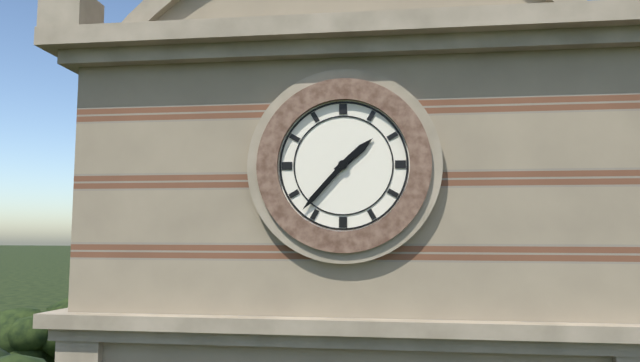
**1:37**
